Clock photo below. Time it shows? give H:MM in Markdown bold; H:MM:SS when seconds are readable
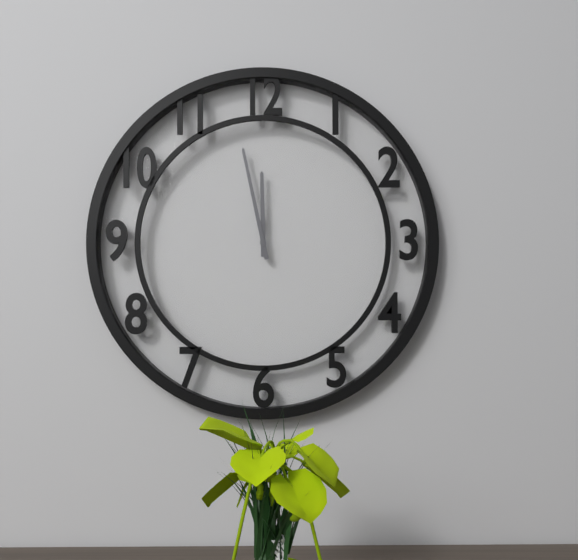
**11:58**
